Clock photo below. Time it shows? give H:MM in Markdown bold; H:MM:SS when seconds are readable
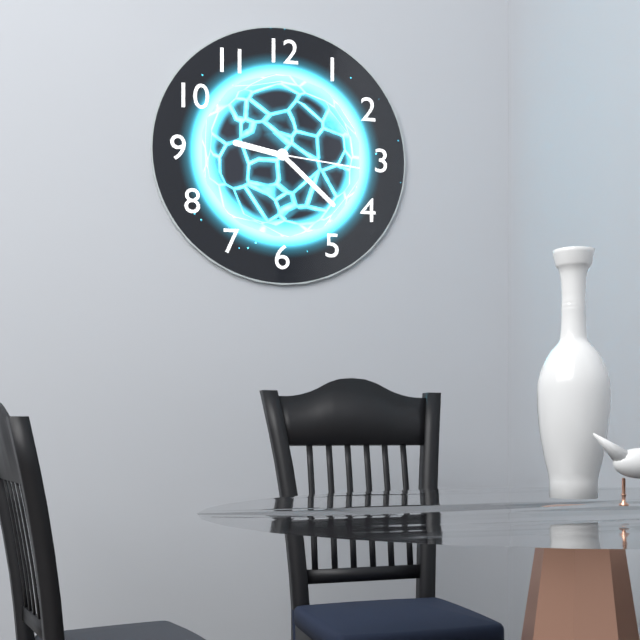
**9:22:16**
